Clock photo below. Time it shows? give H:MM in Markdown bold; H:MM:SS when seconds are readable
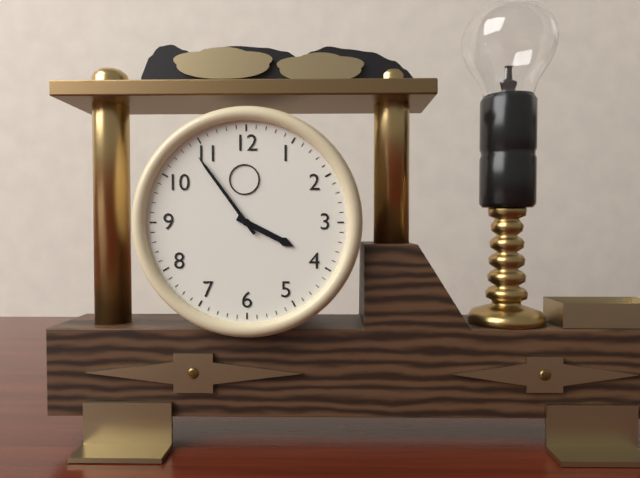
**3:54**
